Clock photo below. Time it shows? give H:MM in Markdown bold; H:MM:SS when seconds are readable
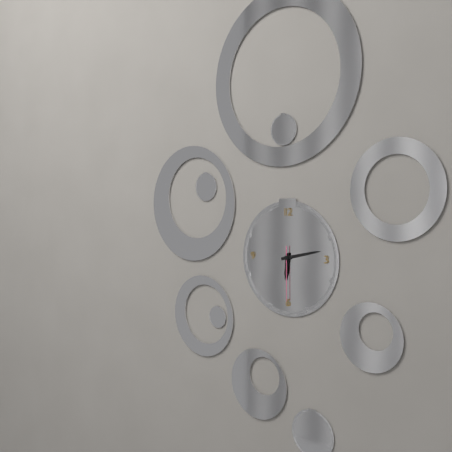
**6:13:30**
